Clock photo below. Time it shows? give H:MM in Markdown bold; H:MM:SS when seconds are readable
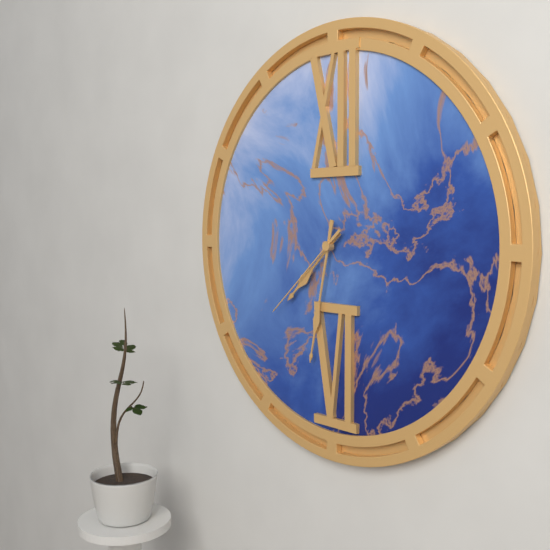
**7:32:38**
